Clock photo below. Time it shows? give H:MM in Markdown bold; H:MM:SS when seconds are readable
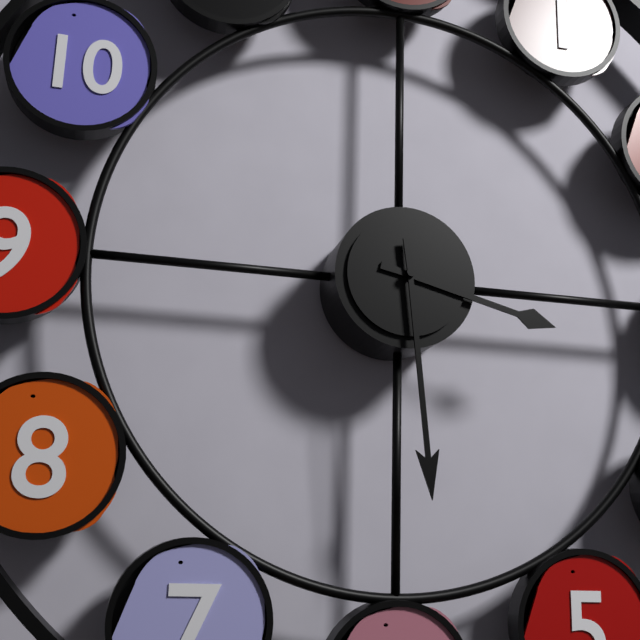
**3:29**
